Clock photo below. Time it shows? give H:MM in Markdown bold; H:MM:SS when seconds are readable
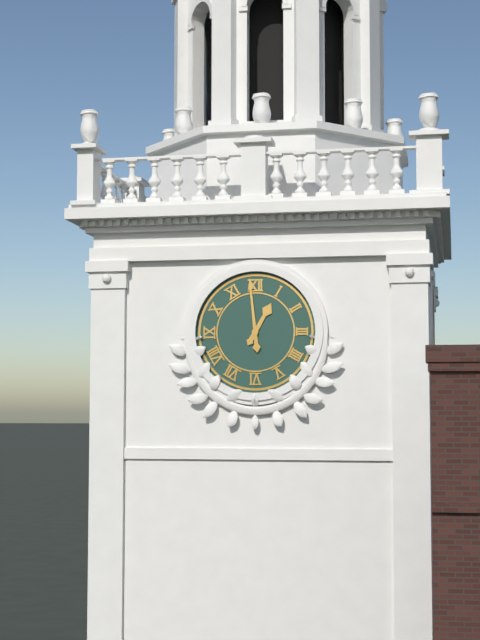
**12:59**
